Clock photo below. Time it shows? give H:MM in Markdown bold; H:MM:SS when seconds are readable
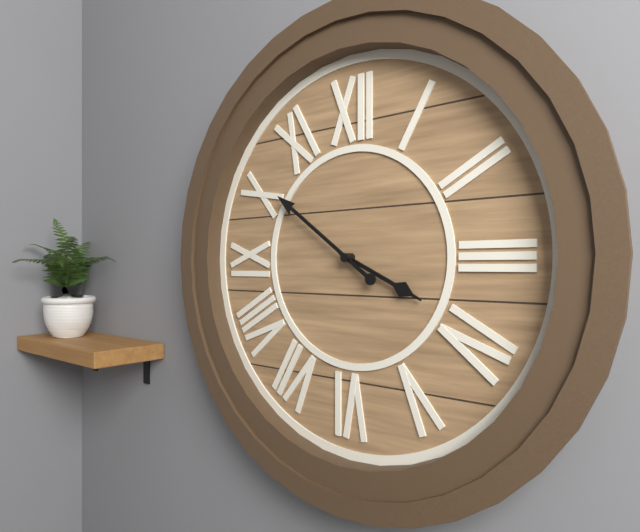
**3:51**
